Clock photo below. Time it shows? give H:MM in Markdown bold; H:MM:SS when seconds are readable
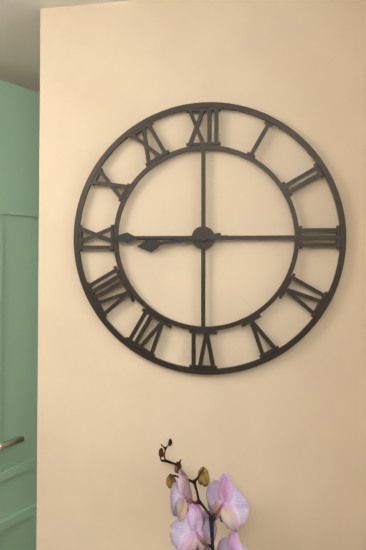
**8:45**
